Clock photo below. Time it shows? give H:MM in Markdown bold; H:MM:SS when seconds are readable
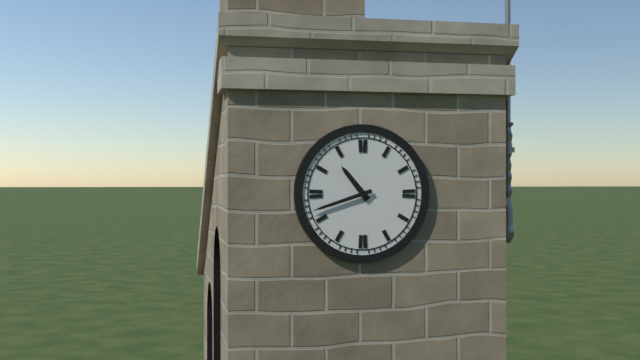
**10:42**
